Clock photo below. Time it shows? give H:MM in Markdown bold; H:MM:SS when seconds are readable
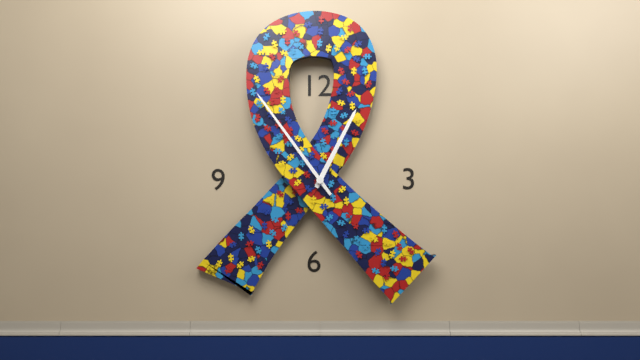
**12:54**
